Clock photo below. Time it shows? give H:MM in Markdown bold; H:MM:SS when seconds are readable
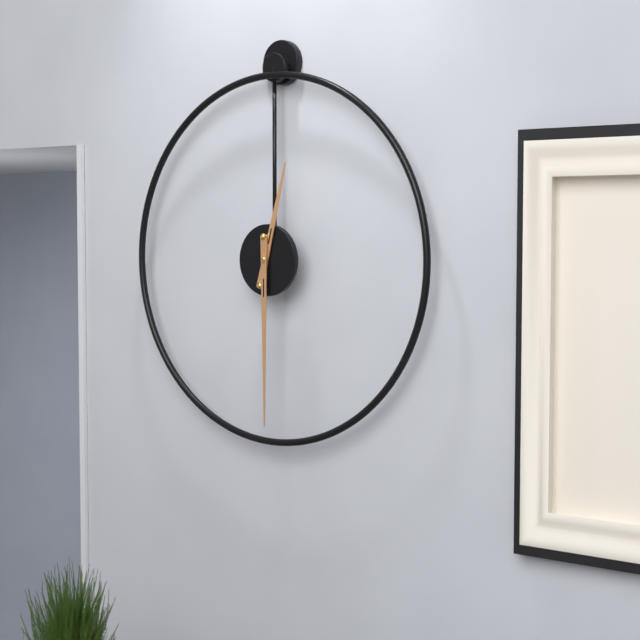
**12:30**
